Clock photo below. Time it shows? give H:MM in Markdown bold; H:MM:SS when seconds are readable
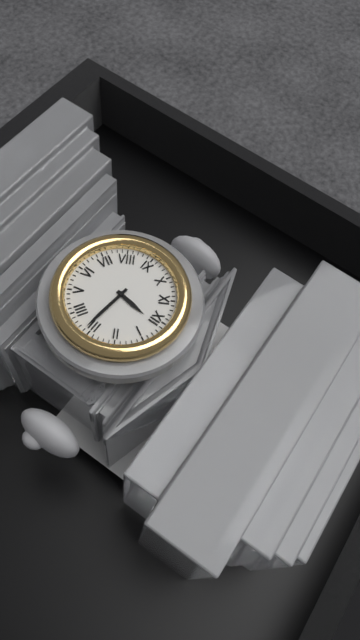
**12:16**
